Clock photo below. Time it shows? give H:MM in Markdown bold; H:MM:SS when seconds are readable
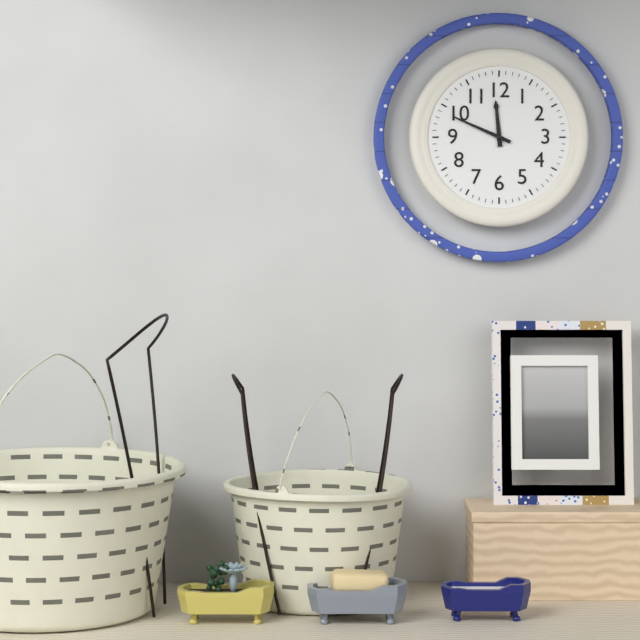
**11:49**
